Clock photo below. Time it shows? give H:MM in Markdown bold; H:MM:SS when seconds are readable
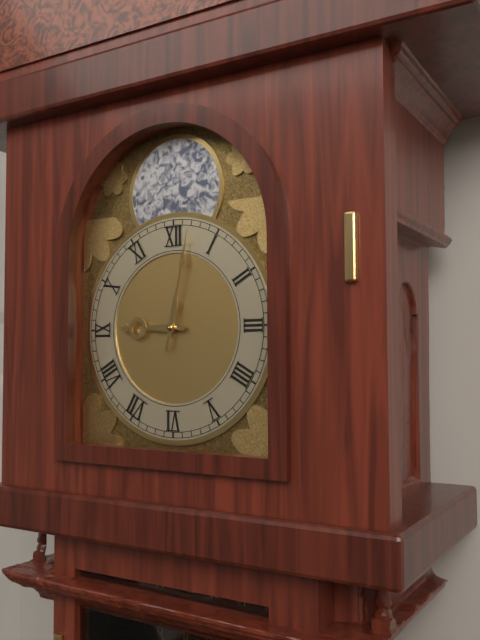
**9:02**
